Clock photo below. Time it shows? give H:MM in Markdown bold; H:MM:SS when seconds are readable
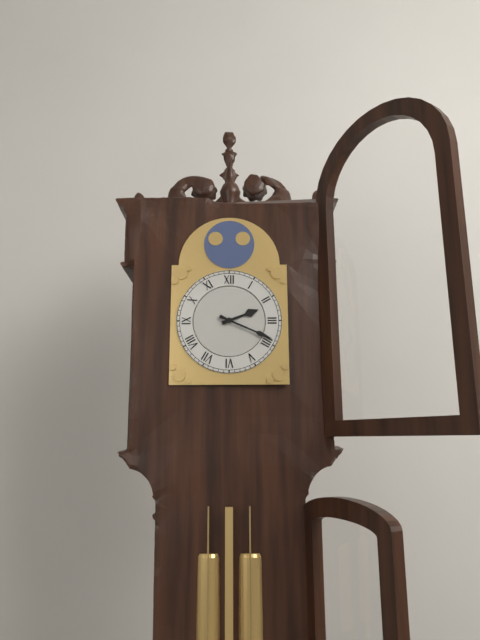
**2:19**
